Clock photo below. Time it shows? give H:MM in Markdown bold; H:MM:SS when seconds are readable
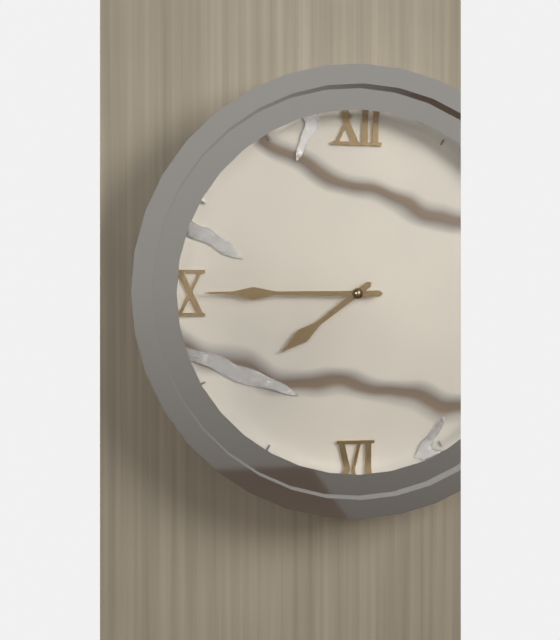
**7:45**
